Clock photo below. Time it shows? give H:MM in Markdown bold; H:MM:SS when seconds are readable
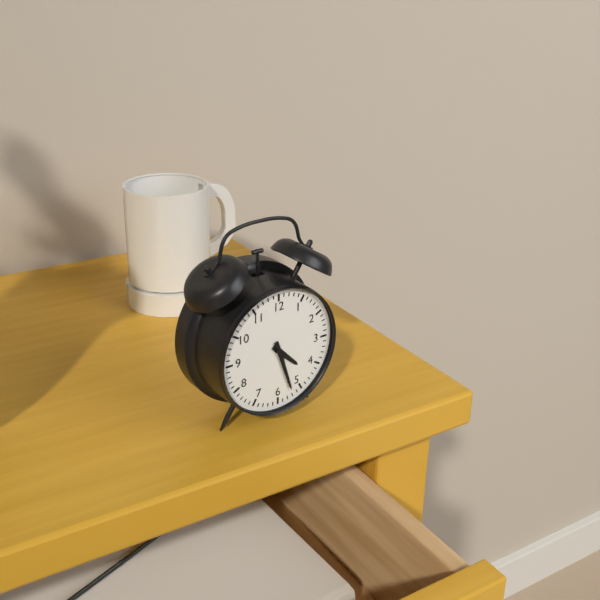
**4:27**
